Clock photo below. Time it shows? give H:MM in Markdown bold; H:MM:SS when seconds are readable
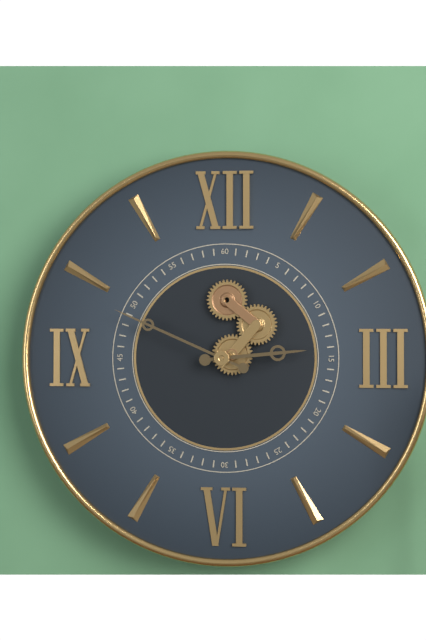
**2:49**
